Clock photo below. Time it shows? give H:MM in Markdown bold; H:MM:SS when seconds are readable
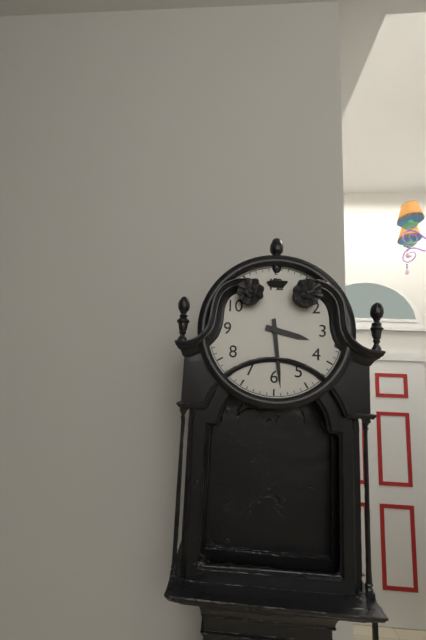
**3:29**
